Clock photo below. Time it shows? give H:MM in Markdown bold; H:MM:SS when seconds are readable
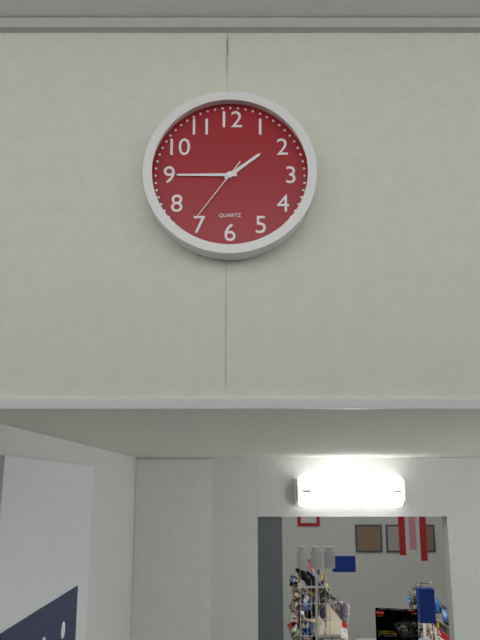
**1:45:36**
